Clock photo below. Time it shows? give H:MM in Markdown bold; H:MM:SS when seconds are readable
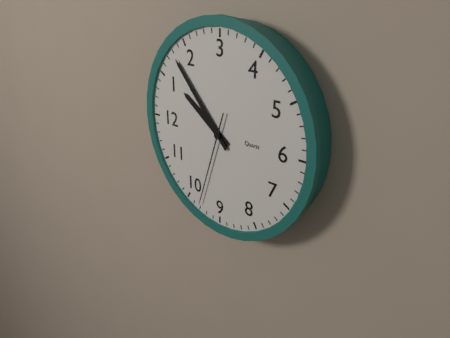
**1:08:48**
